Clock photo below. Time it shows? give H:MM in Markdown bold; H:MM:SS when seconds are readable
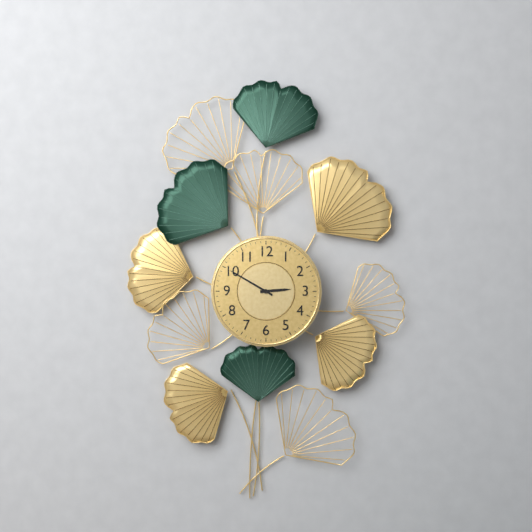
**2:50**
